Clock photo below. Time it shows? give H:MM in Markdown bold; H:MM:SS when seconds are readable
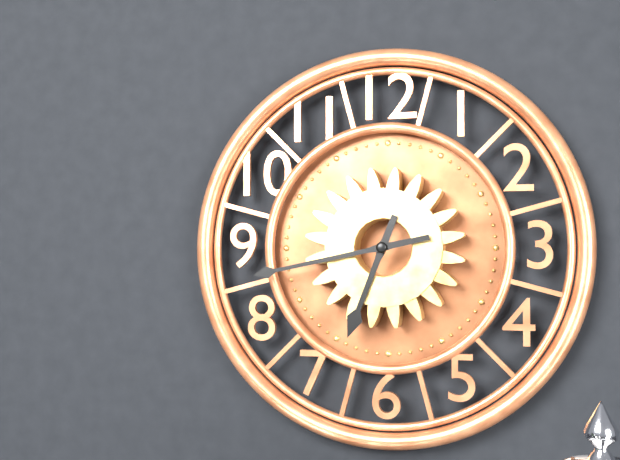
**6:43**
